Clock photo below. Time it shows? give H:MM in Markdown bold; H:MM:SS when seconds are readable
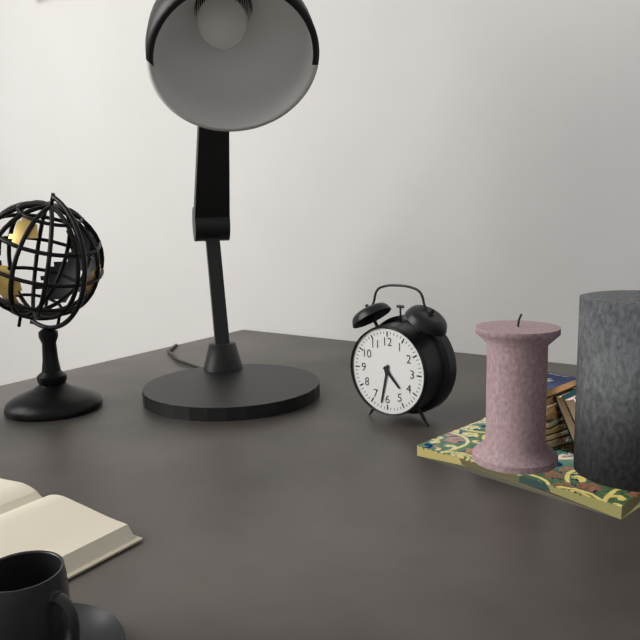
**4:32**
